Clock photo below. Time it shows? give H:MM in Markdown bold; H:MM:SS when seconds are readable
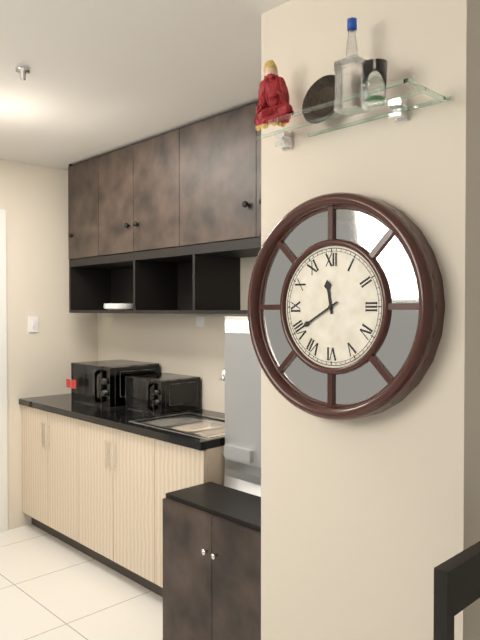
**11:40**
